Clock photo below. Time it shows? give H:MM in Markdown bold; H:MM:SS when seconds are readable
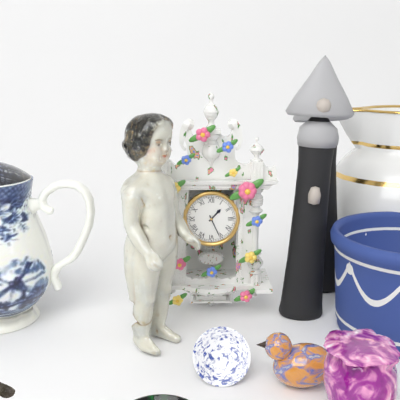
**1:26**
